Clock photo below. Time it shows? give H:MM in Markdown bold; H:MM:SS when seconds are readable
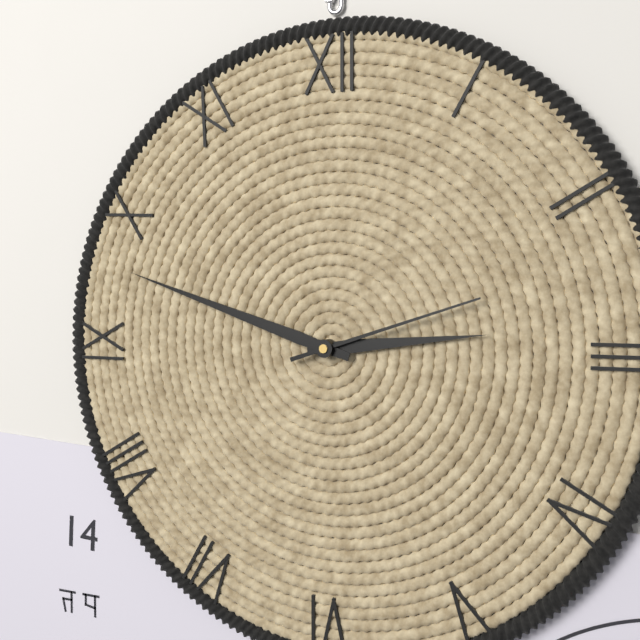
**2:48:12**
